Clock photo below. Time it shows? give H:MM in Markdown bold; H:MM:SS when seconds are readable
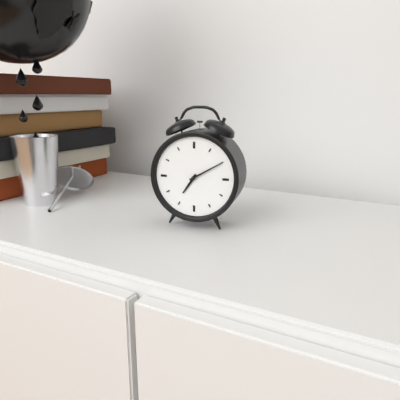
**7:10**
